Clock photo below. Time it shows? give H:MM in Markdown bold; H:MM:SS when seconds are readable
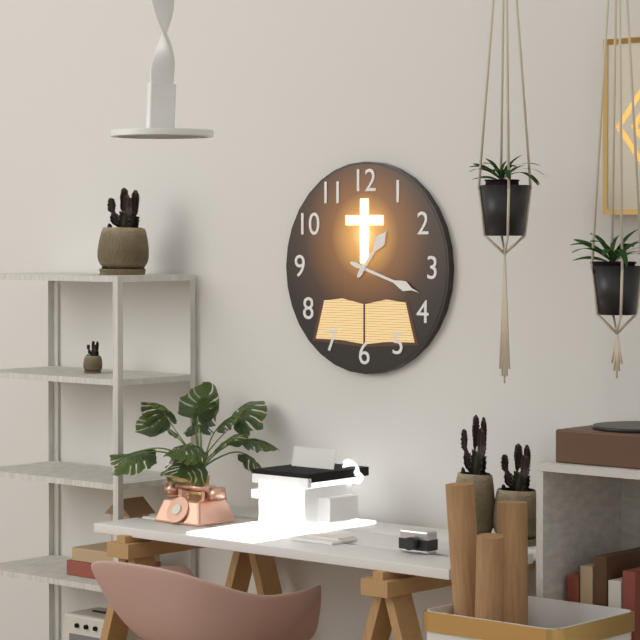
**1:18**
